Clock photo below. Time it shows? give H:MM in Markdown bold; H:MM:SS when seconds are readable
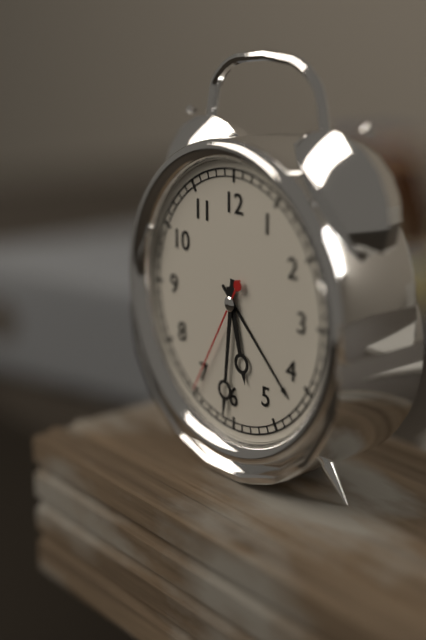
**5:31:35**
